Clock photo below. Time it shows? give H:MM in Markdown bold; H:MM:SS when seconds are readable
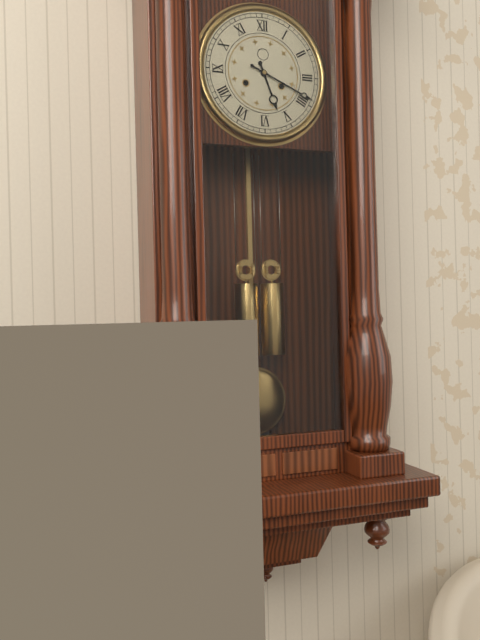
**5:19**
